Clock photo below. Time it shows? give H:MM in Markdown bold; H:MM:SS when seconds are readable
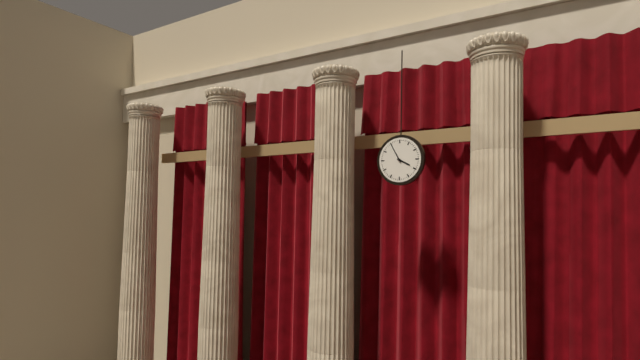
**3:55**
